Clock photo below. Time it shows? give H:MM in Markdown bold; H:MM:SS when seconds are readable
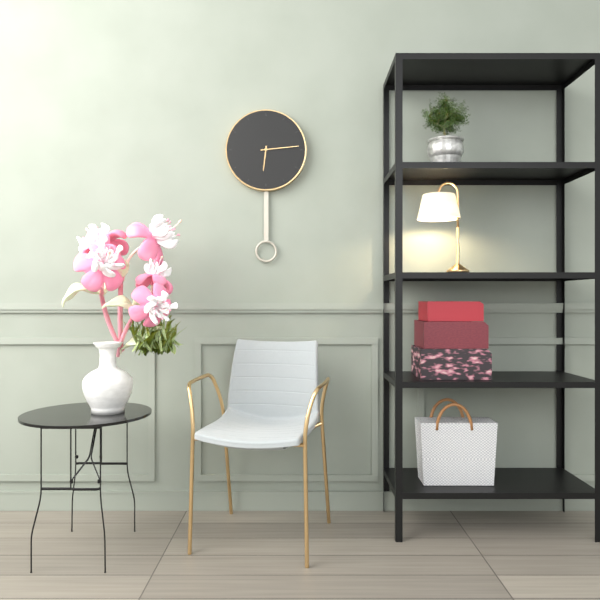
**6:14**
